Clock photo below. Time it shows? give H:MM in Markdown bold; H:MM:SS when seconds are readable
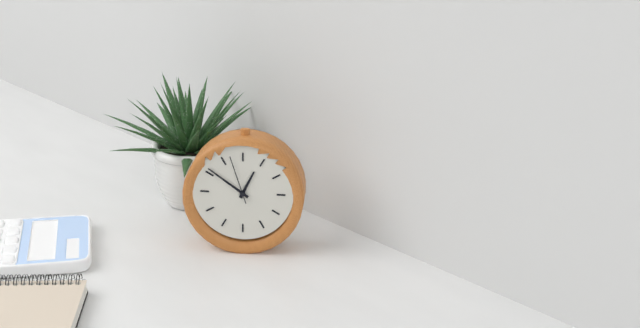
**12:51**
